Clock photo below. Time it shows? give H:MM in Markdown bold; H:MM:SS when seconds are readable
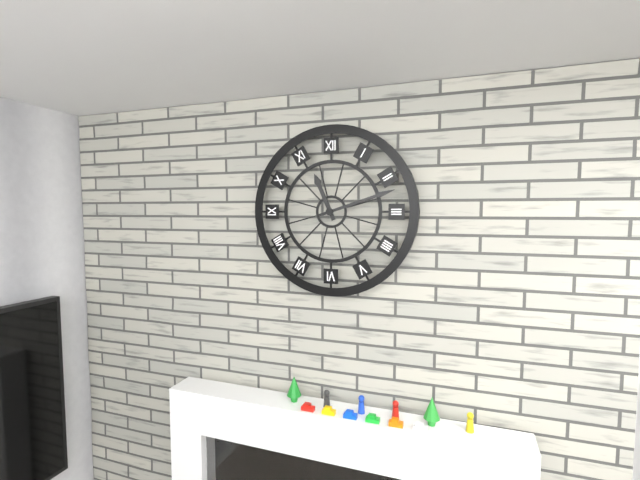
**11:12**
